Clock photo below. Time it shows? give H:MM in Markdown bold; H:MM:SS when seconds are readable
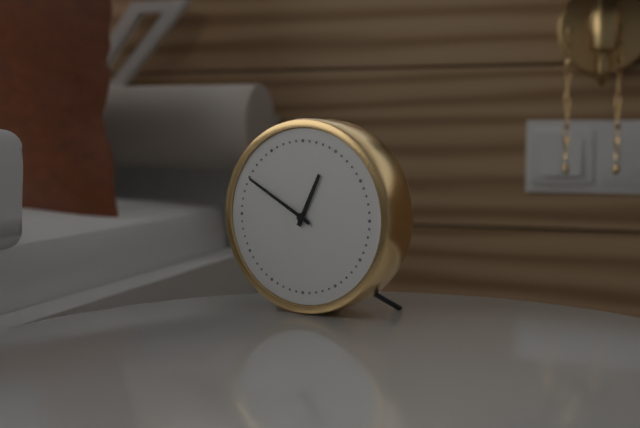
**12:50**
